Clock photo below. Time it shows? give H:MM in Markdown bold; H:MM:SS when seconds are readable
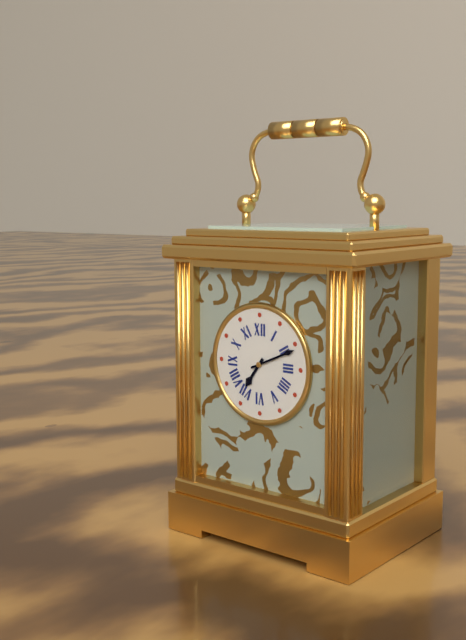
**7:11**
